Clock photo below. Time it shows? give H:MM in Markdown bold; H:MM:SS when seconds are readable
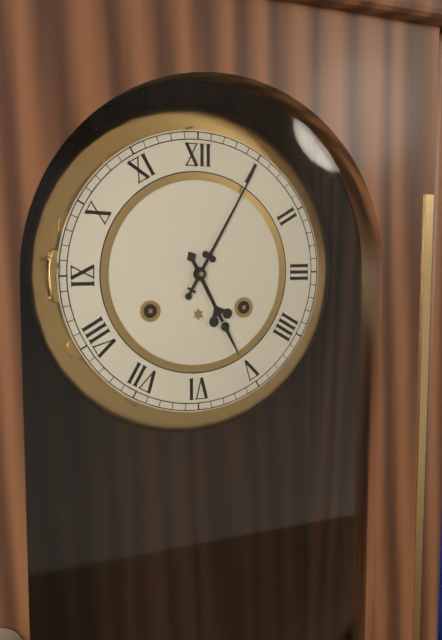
**5:05**
